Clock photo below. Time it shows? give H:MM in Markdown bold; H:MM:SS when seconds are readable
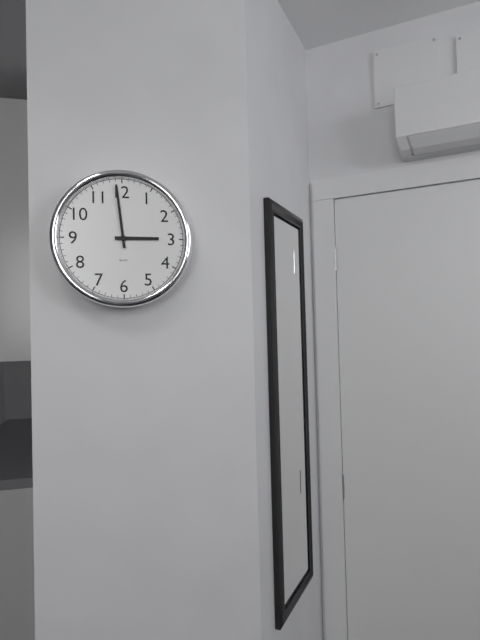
**2:59**
